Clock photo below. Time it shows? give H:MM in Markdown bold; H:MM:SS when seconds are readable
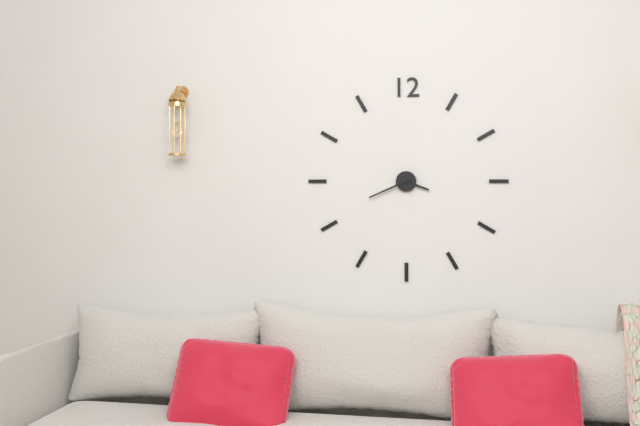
**3:41**
